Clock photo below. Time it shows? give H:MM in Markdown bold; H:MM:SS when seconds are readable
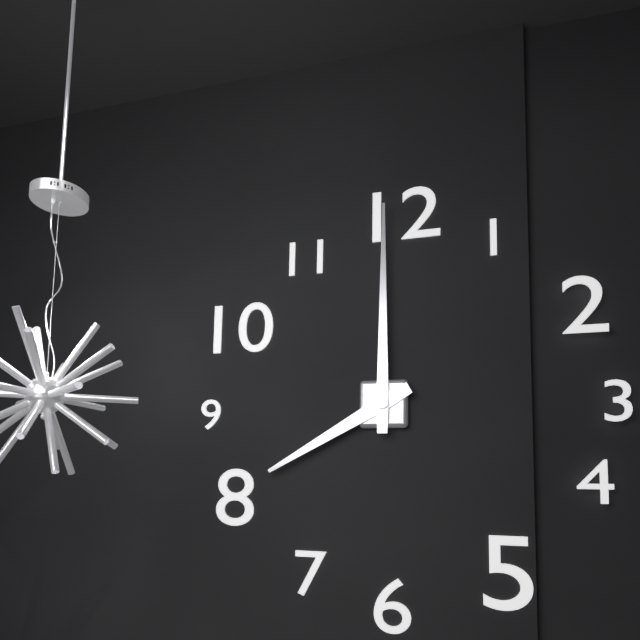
**8:00**
